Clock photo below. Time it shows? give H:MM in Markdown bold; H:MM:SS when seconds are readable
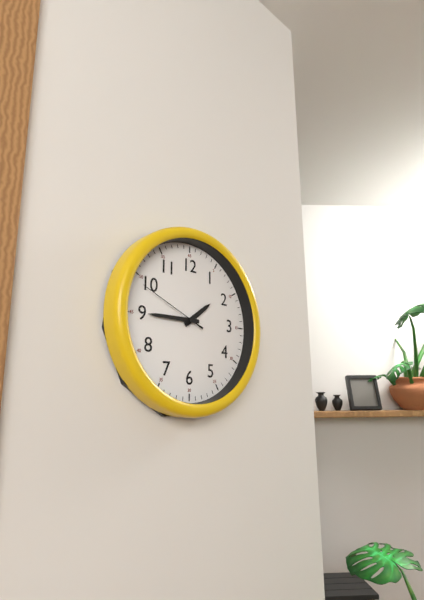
**1:45:49**
